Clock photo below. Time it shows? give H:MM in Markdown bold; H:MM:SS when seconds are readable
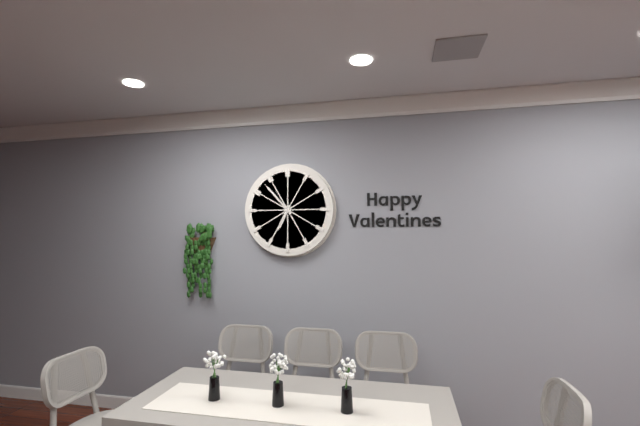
**6:53**
